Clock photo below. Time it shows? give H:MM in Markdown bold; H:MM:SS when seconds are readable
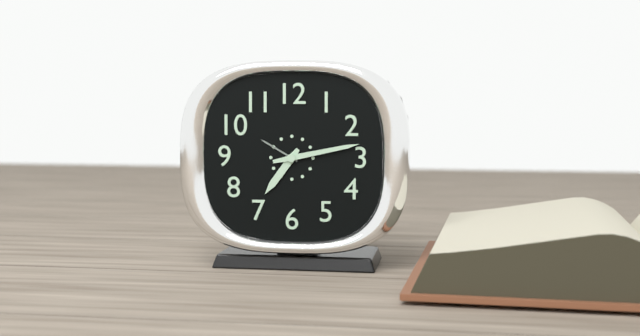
**7:13**
